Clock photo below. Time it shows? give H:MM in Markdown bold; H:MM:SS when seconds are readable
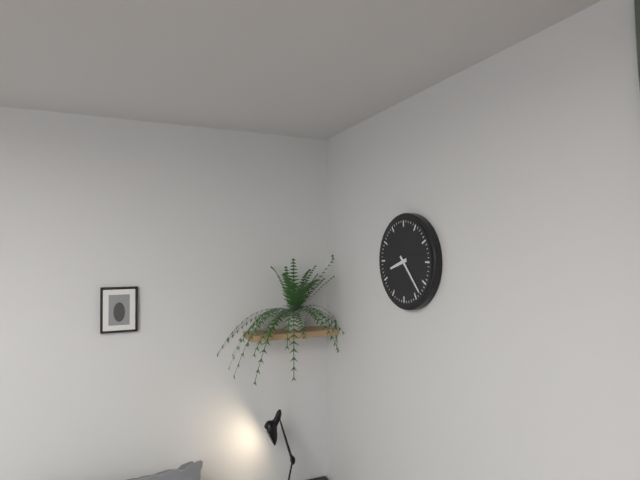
**8:23**
